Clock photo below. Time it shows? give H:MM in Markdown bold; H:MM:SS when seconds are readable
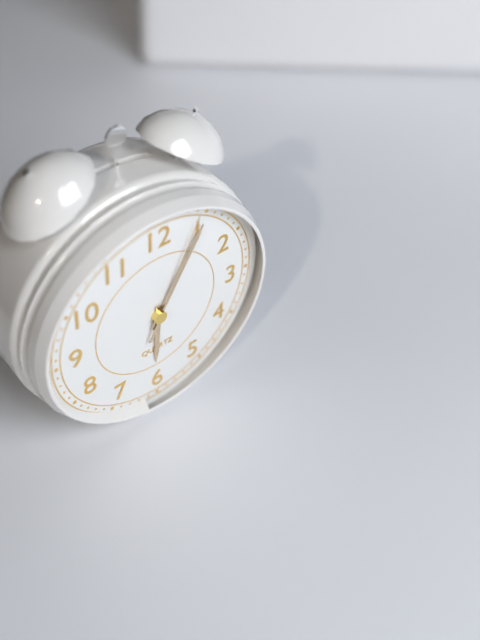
**6:05:04**
